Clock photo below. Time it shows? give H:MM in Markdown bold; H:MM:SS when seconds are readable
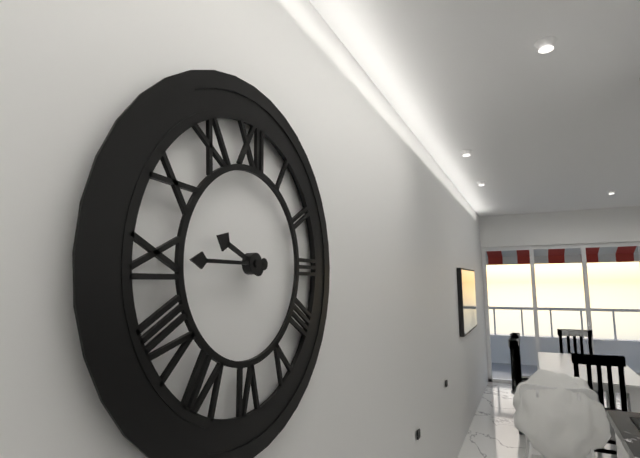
**9:45**
